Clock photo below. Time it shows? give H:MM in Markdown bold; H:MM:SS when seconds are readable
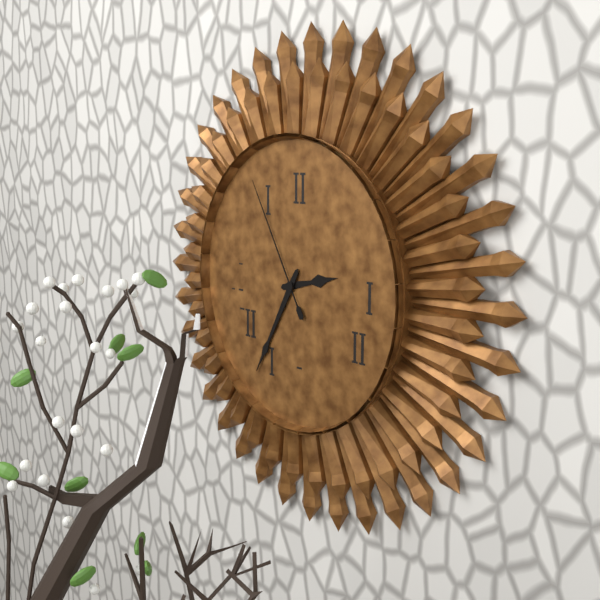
**2:35:55**
